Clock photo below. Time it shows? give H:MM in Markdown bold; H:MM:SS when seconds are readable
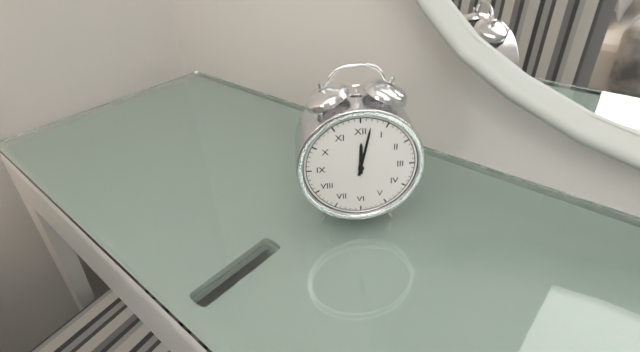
**12:02**
